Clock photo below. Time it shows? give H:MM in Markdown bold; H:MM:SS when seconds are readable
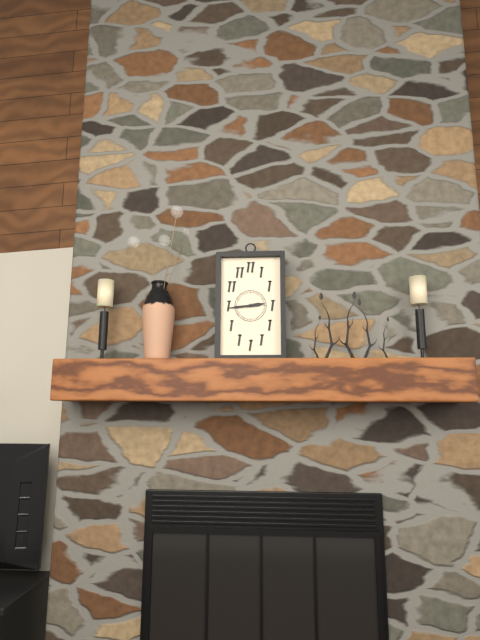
**2:44**
